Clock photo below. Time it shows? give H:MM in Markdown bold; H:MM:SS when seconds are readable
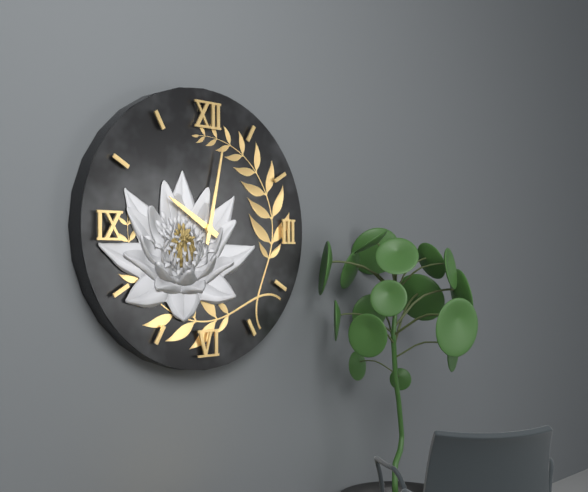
**10:02**
